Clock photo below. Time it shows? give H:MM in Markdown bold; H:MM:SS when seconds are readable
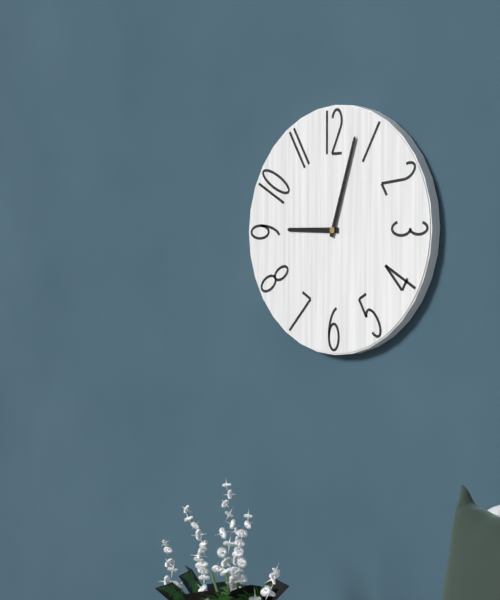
**9:03**
